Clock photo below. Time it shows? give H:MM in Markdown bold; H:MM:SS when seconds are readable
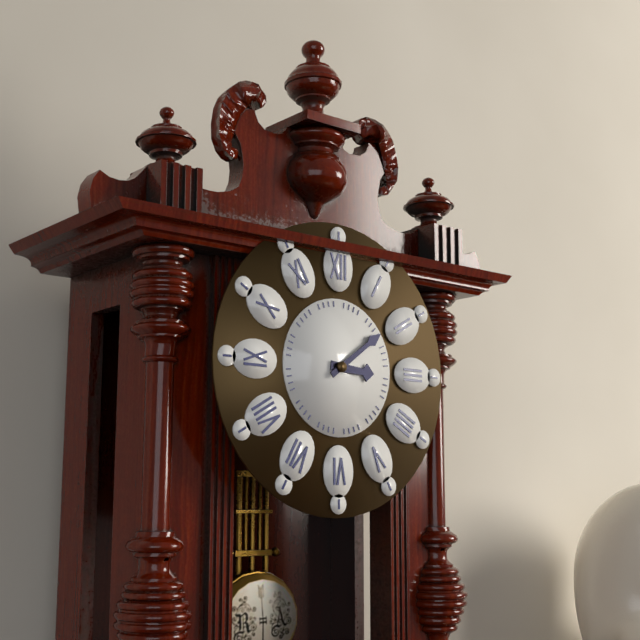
**3:09**
